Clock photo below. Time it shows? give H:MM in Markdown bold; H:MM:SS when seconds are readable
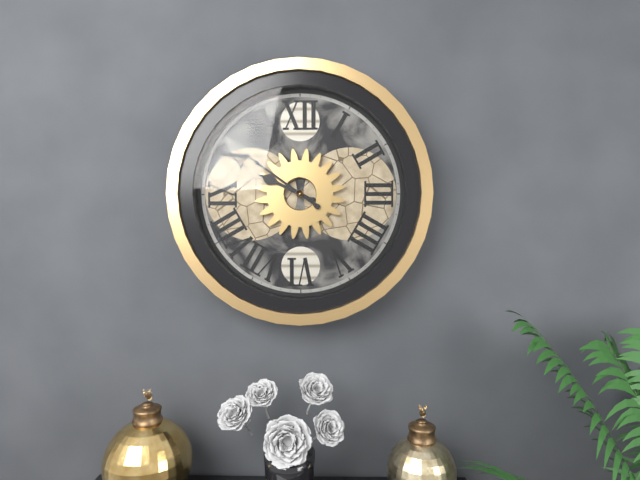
**9:51**
